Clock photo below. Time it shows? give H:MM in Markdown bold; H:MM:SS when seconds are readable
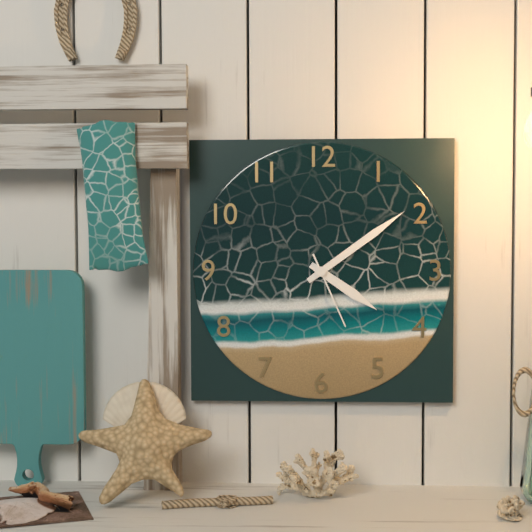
**4:09:26**
